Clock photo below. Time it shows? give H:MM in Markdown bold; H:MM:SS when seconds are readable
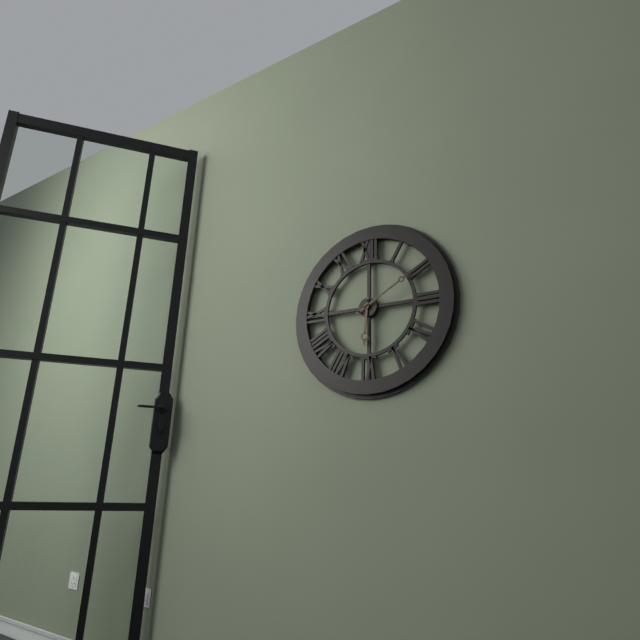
**6:10**
